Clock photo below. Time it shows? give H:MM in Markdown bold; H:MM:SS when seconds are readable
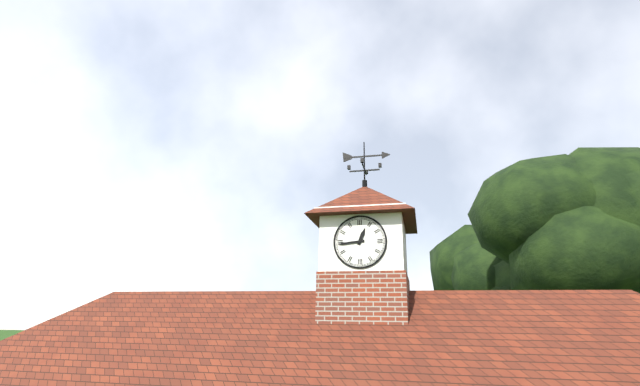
**12:44**
